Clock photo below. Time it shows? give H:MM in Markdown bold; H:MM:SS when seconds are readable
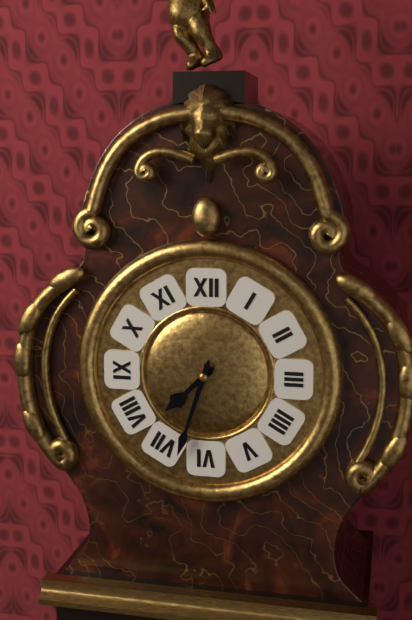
**7:33**
